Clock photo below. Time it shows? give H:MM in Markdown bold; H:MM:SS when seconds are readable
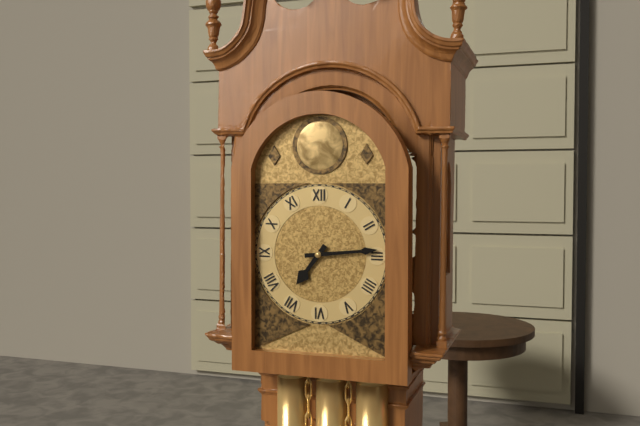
**7:14**
